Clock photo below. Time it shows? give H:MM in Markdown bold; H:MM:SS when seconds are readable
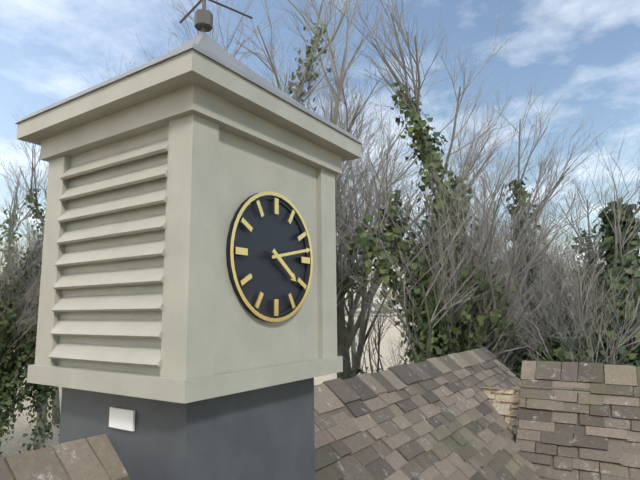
**4:13**
